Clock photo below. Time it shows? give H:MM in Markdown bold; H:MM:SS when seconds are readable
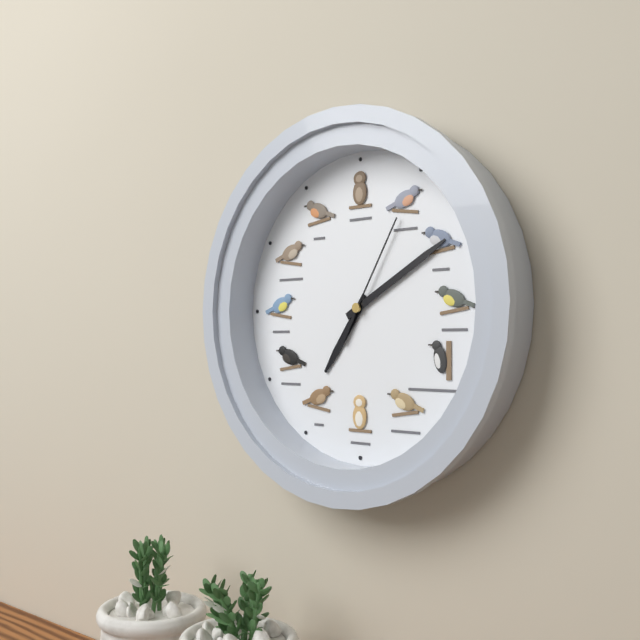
**7:10:05**
